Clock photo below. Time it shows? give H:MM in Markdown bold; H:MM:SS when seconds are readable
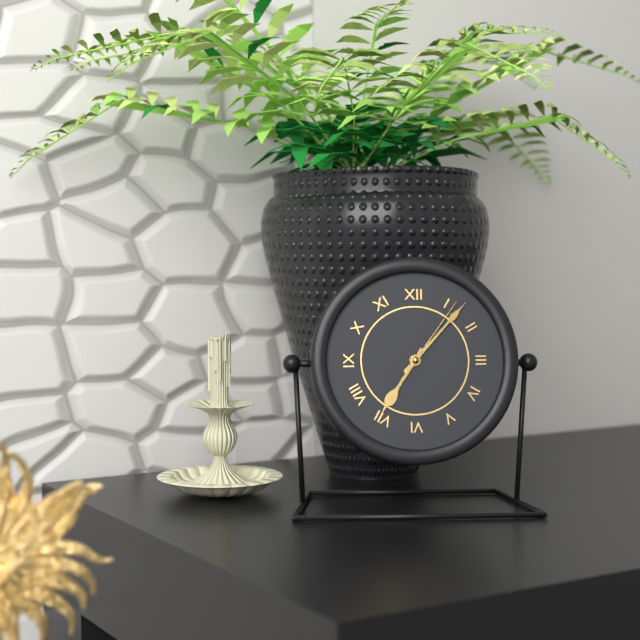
**7:07:06**
